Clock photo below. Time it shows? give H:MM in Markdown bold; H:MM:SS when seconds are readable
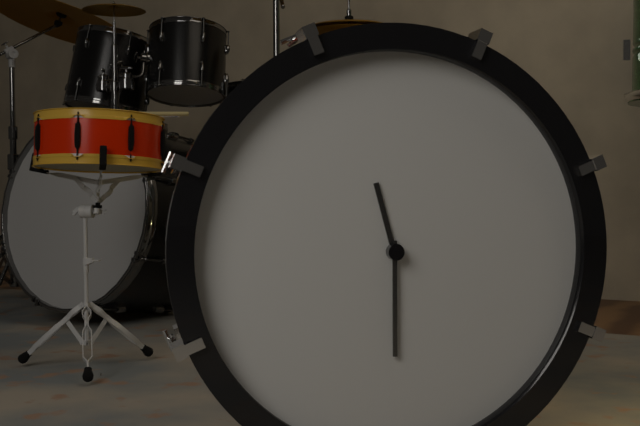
**11:30**
